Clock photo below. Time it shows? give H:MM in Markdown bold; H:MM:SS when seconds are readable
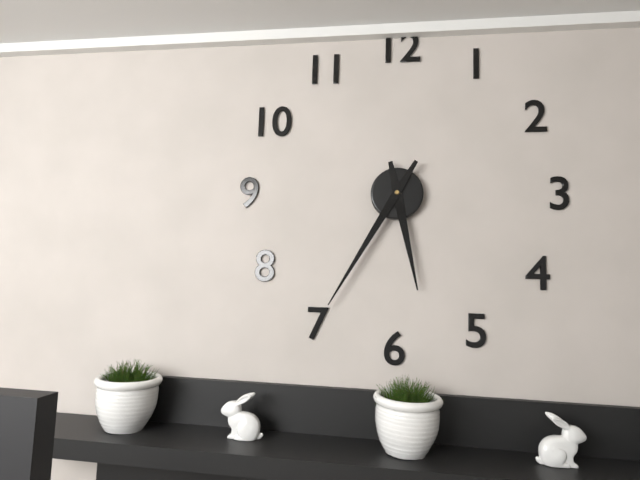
**5:35**
